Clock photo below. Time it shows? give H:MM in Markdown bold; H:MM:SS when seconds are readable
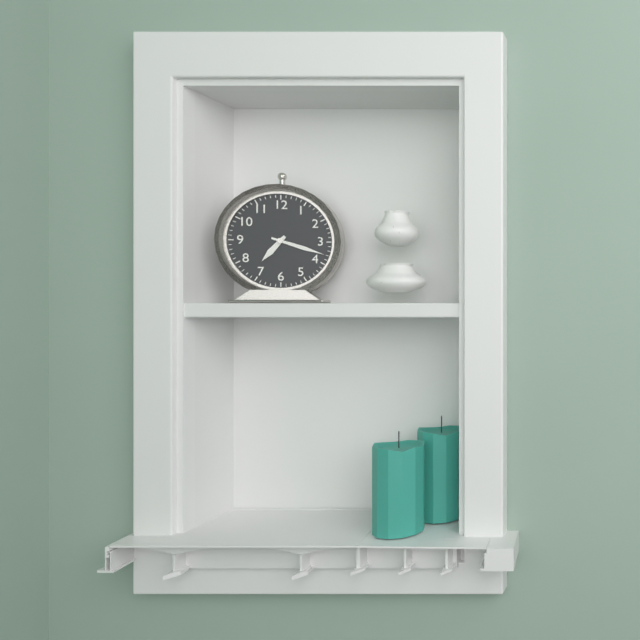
**7:18**
